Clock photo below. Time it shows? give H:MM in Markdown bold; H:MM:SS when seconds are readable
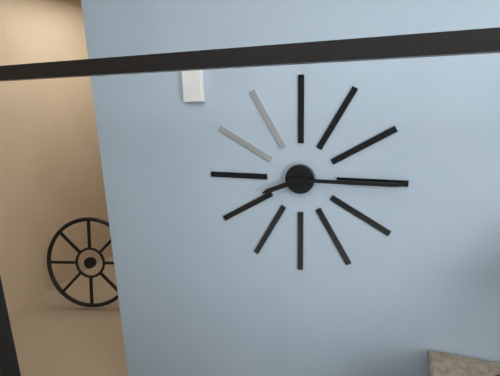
**8:15**
